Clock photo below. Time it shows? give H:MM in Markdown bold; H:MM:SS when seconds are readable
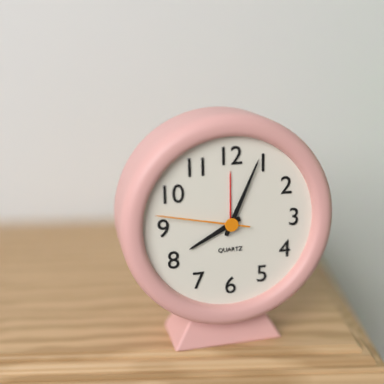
**8:04:47**
